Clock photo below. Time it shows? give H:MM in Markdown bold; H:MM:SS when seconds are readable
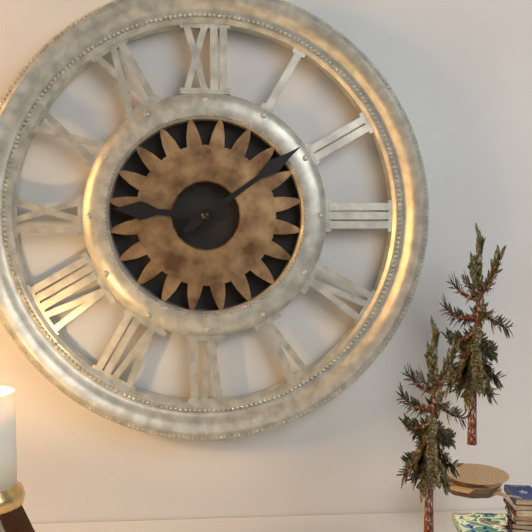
**9:09**
